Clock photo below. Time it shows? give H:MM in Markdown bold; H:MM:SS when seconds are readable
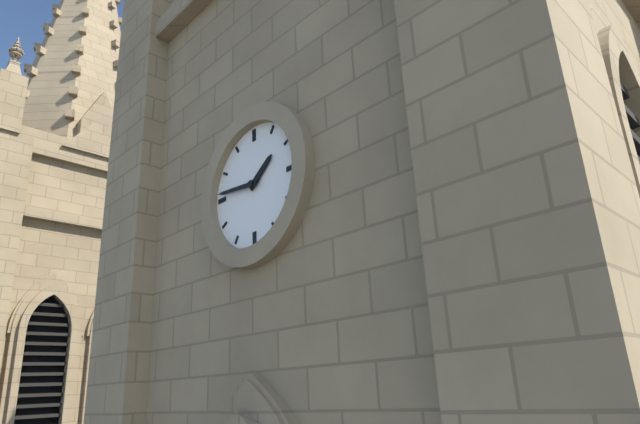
**1:46**
